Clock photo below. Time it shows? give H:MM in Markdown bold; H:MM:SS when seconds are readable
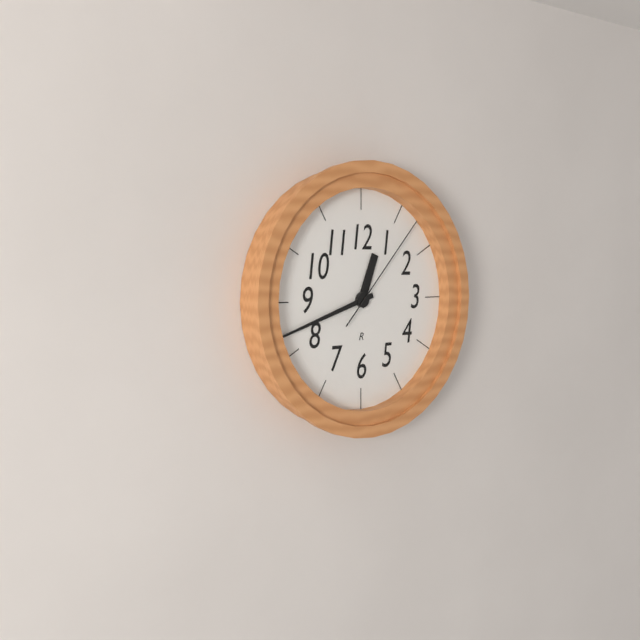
**12:42:07**
